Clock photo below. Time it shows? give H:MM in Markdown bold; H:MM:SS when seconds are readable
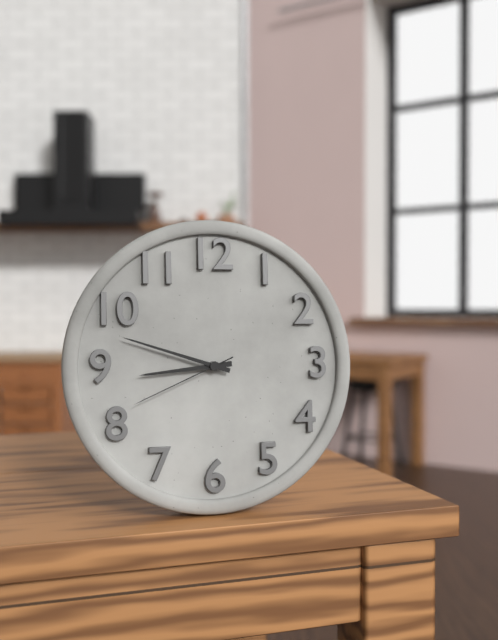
**8:48:41**
